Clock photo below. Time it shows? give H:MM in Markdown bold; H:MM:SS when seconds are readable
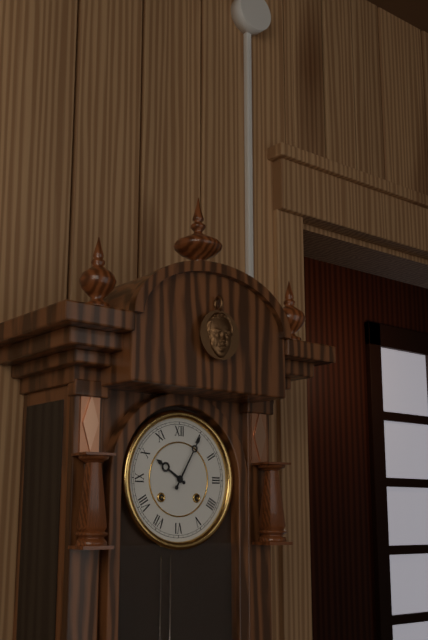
**10:05**
